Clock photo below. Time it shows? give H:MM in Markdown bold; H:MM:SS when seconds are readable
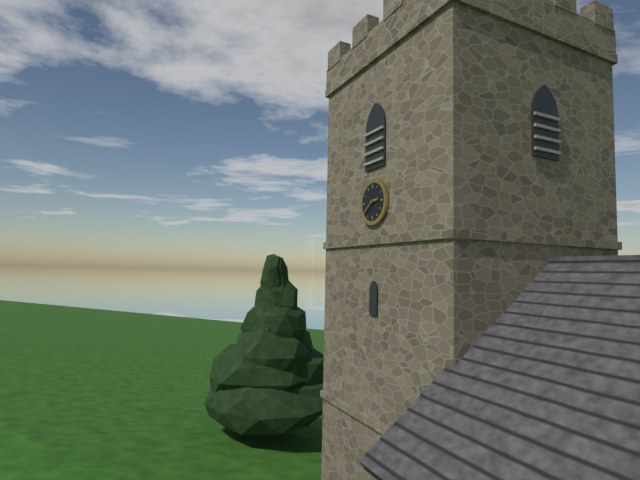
**2:39**
